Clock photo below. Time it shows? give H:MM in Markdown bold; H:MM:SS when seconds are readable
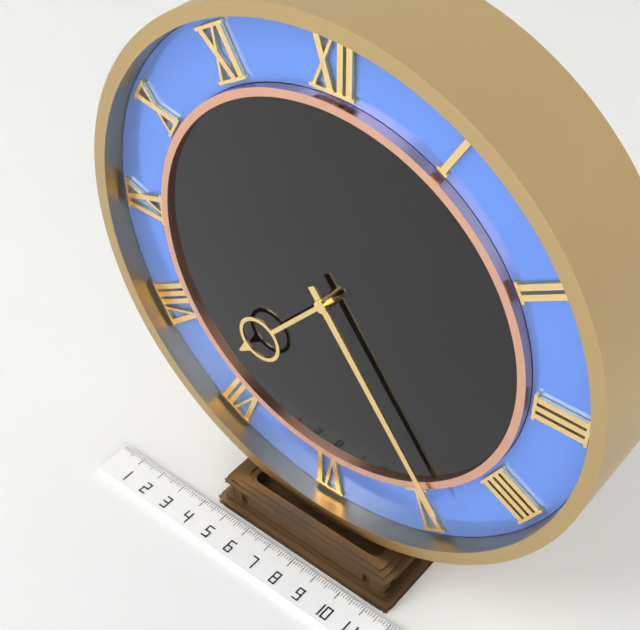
**7:24**
